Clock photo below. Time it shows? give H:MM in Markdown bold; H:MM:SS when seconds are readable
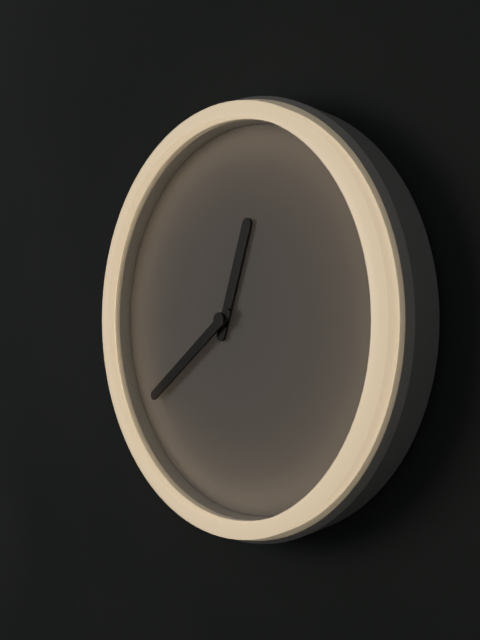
**12:39**
